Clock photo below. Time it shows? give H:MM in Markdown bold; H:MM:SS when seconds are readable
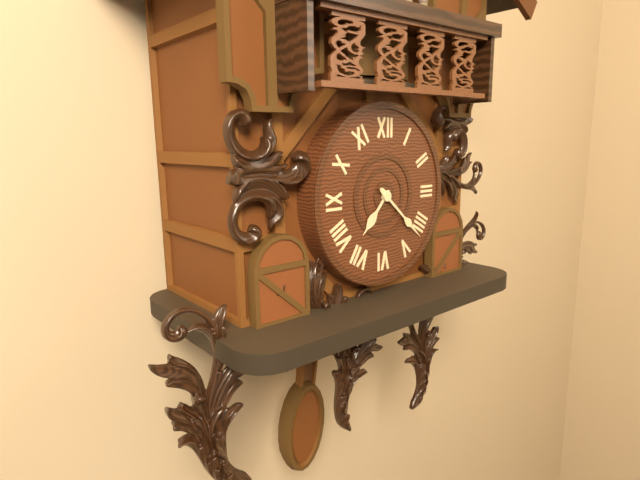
**7:22**
